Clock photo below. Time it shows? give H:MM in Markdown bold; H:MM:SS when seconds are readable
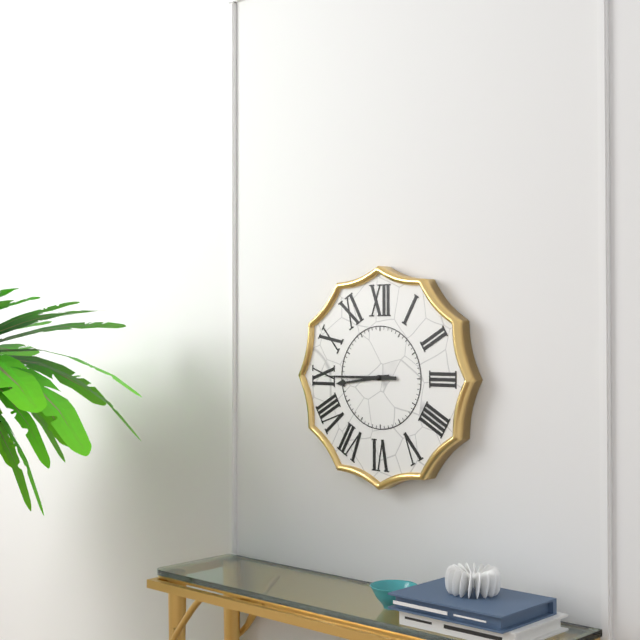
**8:45**
